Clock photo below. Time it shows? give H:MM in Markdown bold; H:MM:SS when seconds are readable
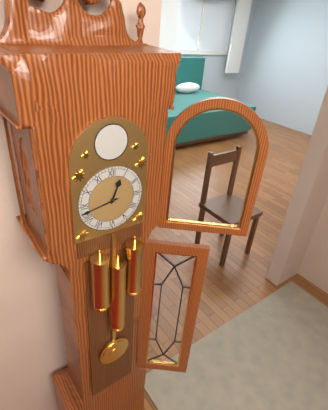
**12:43**
